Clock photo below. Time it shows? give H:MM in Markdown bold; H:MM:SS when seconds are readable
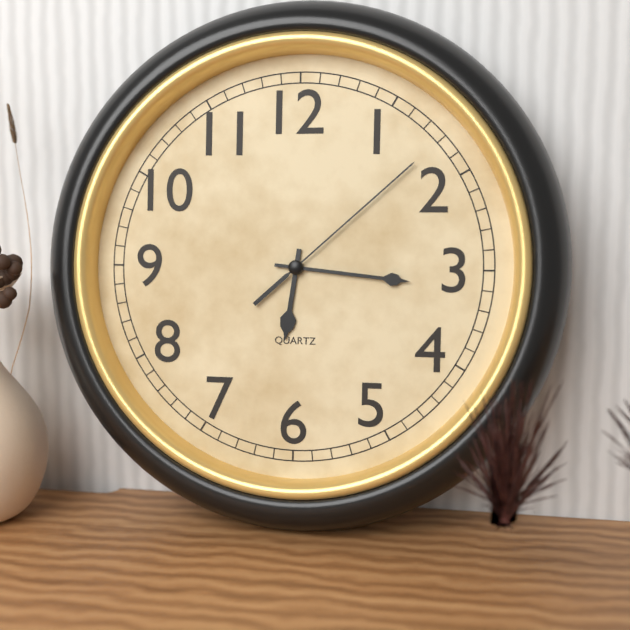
**6:16:08**
